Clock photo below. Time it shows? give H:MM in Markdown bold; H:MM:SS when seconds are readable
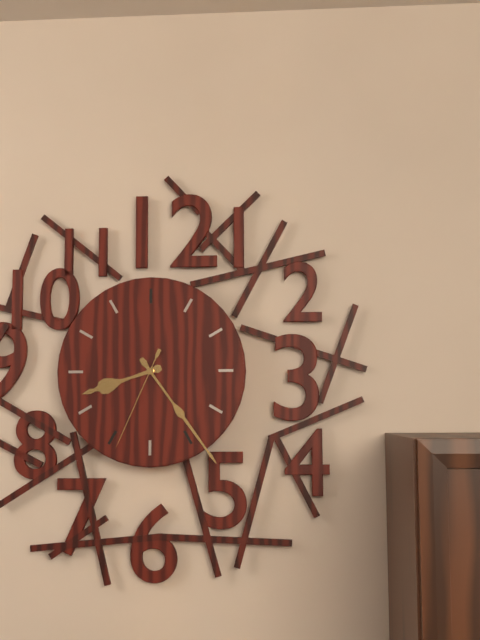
**8:24:34**
